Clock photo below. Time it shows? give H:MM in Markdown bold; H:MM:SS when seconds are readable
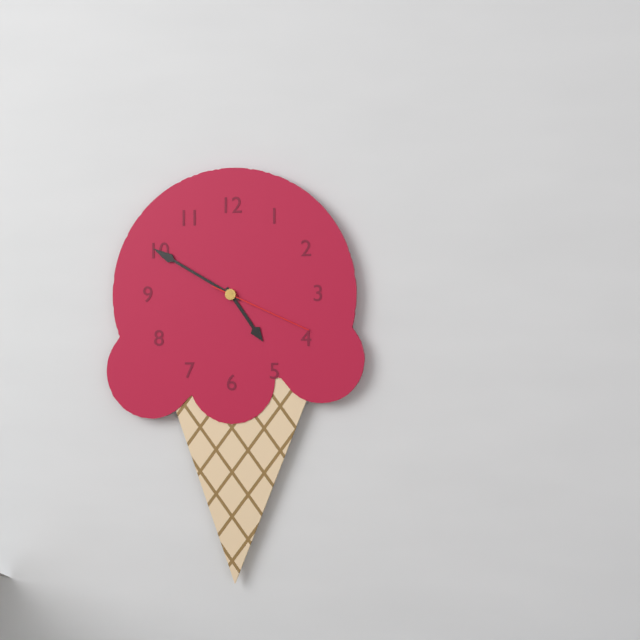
**4:50:19**
